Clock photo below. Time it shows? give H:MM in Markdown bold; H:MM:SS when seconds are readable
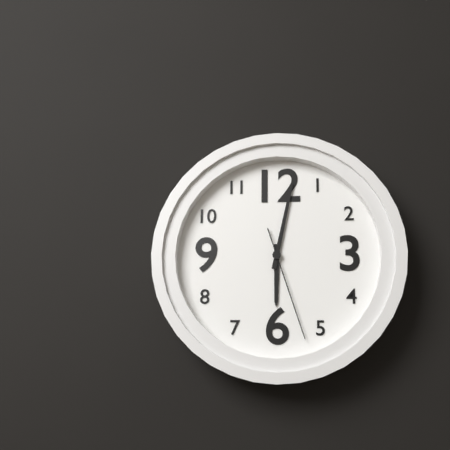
**6:02:27**
